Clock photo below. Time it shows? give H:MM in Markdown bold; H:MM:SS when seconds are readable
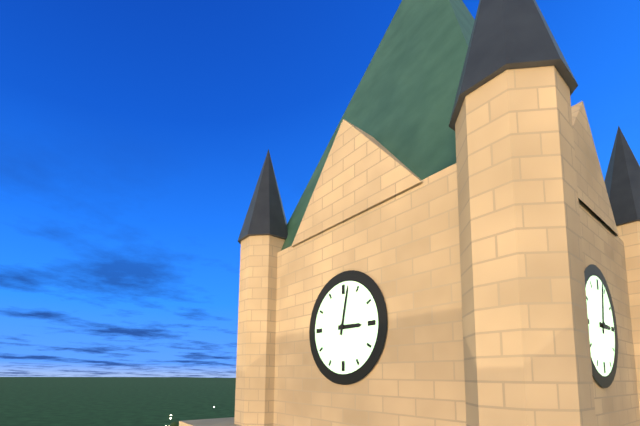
**3:02**
